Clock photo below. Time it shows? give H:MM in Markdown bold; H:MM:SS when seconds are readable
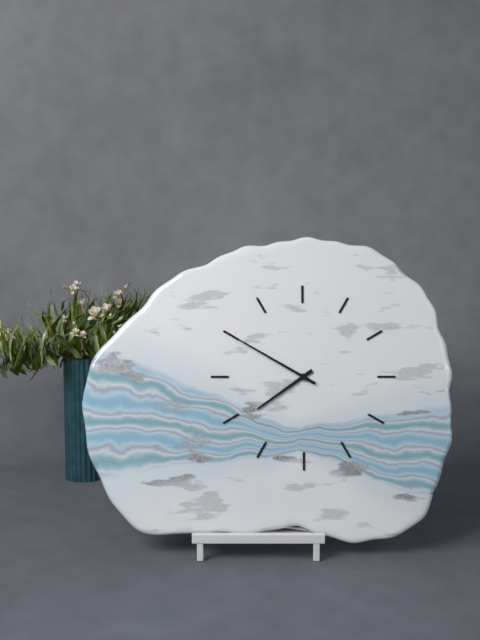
**7:50**
